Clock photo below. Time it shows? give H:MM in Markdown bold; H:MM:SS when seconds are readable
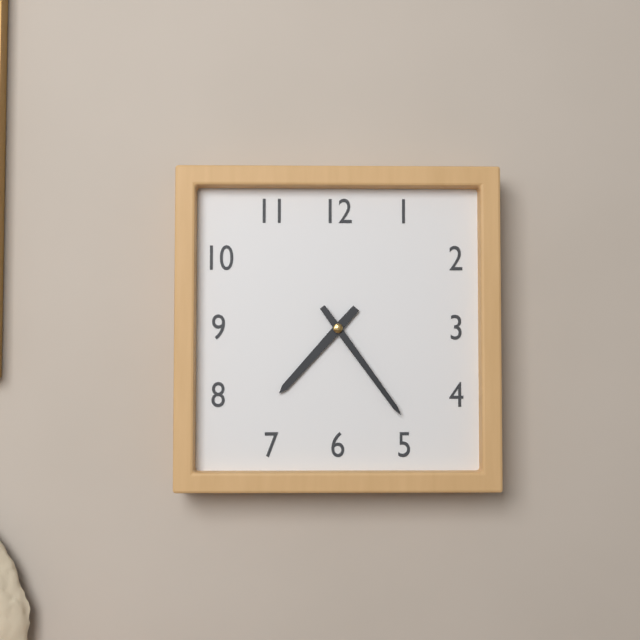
**7:24**
